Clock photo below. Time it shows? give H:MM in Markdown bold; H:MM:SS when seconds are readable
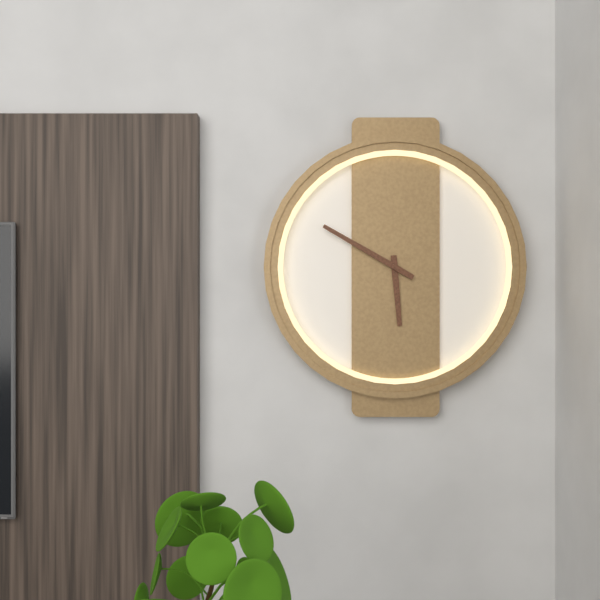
**5:50**
